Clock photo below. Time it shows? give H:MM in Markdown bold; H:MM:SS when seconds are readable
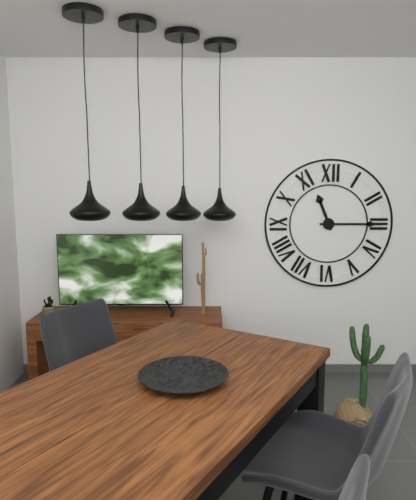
**11:15**
